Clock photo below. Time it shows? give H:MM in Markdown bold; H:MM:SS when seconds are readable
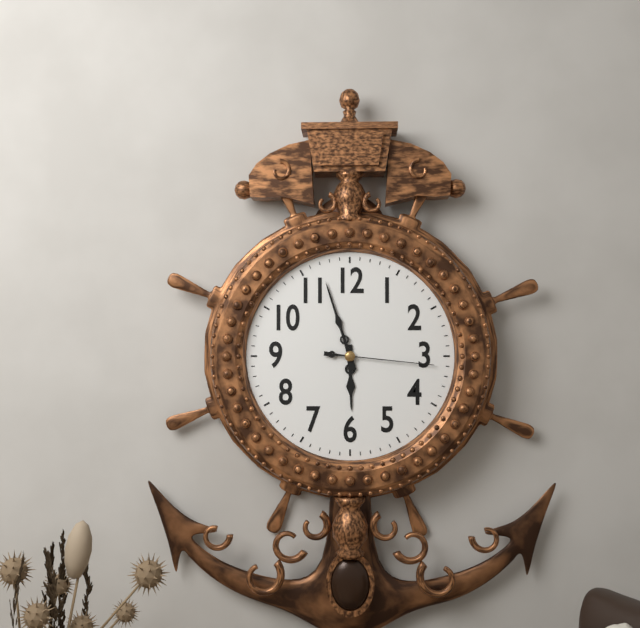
**5:57:16**
